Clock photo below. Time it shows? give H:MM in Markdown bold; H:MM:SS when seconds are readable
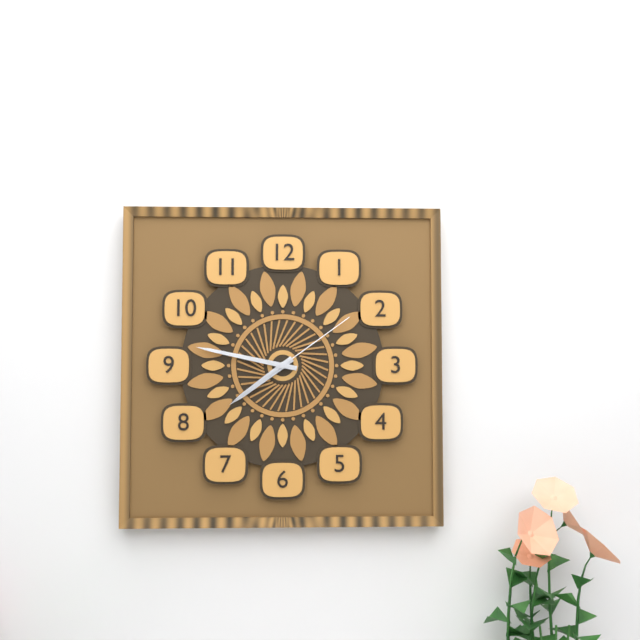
**7:47:09**
